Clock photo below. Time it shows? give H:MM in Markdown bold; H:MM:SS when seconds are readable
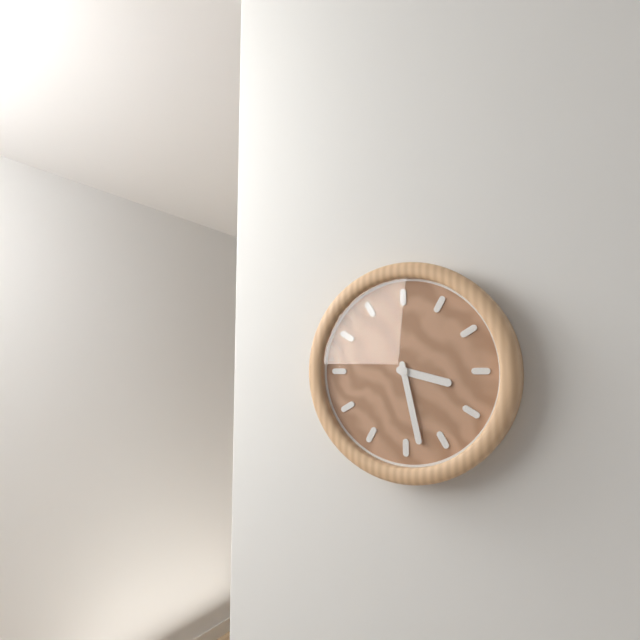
**3:28**
